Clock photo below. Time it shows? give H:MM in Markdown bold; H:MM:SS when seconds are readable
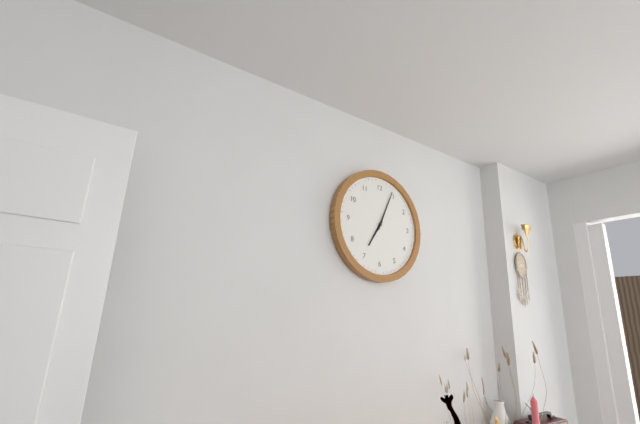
**7:04**
